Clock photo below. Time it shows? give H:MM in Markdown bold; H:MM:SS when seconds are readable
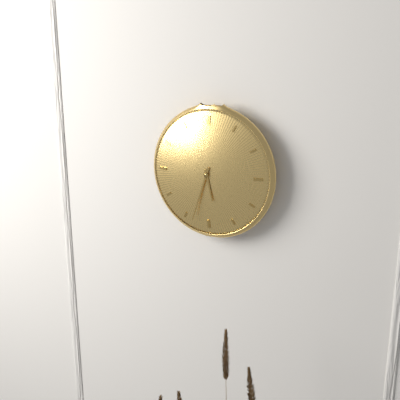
**5:33**
